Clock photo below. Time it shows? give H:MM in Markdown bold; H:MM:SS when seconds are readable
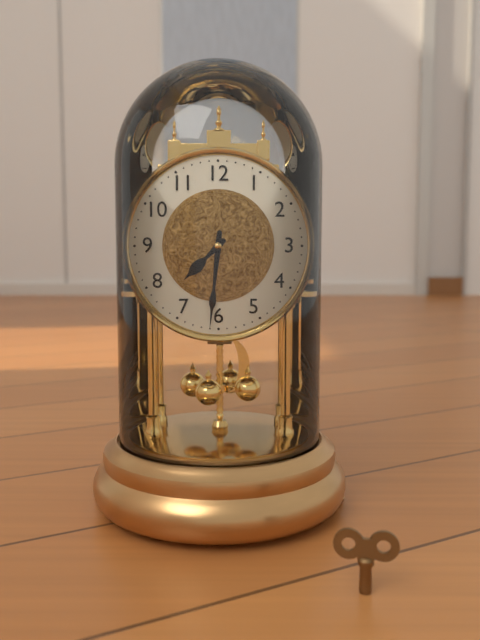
**7:31**
